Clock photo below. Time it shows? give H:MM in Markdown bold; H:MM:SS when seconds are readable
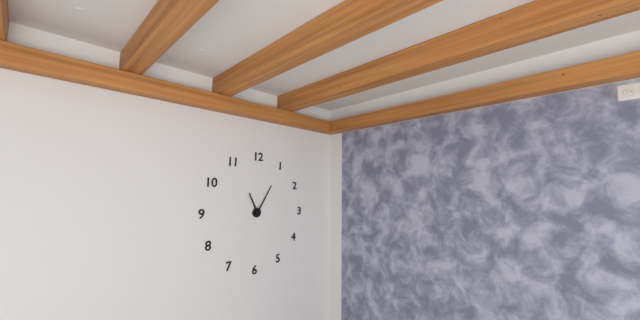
**11:05**
